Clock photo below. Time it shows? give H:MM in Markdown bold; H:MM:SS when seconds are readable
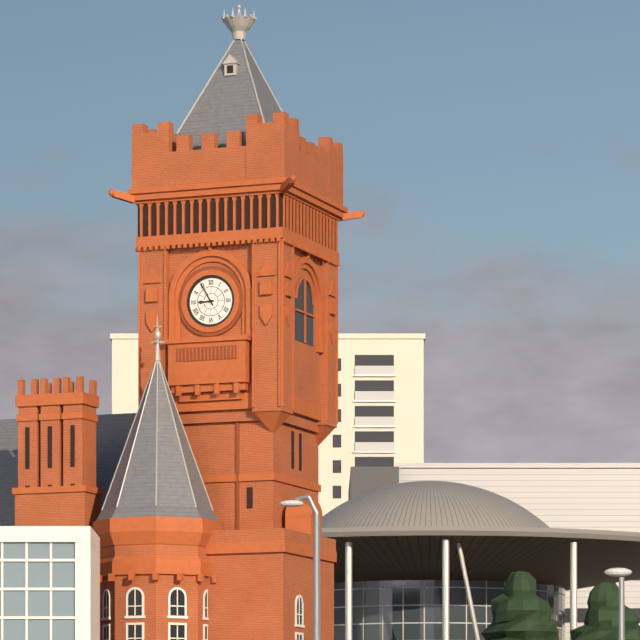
**8:55**
